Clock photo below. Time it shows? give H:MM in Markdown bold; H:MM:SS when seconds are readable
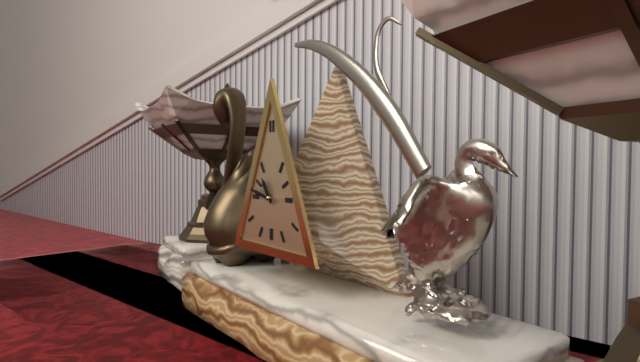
**10:47**
